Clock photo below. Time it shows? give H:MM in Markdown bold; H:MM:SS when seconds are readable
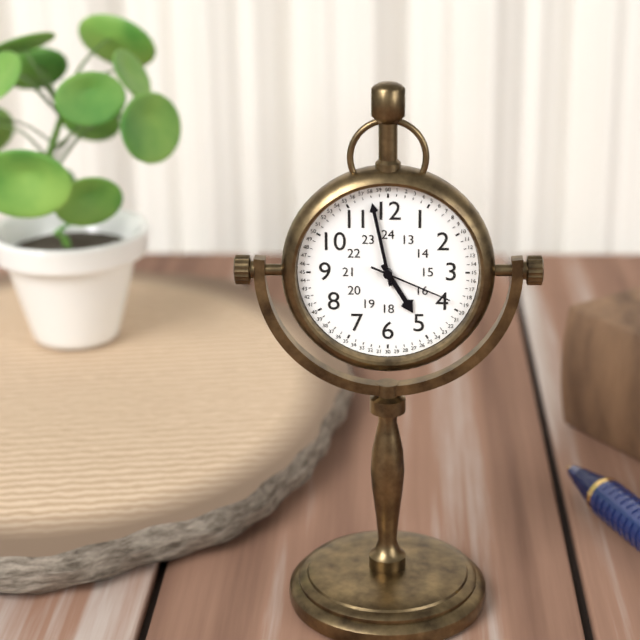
**4:58:19**
